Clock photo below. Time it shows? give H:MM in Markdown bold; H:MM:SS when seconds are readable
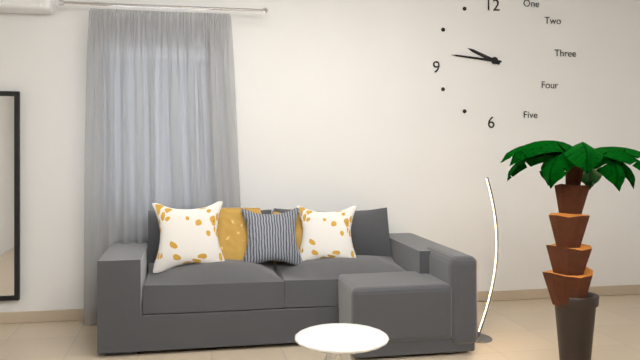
**9:46**
